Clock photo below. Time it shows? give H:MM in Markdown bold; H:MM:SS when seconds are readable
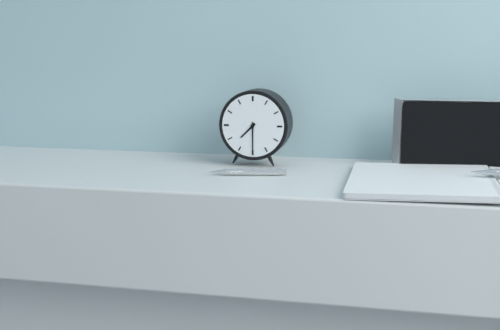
**7:30**
